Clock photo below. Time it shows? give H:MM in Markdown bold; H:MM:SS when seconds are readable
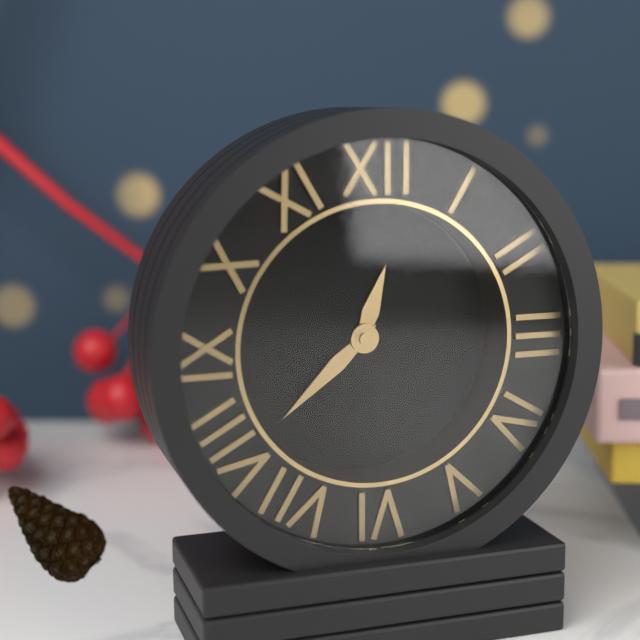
**12:38**
